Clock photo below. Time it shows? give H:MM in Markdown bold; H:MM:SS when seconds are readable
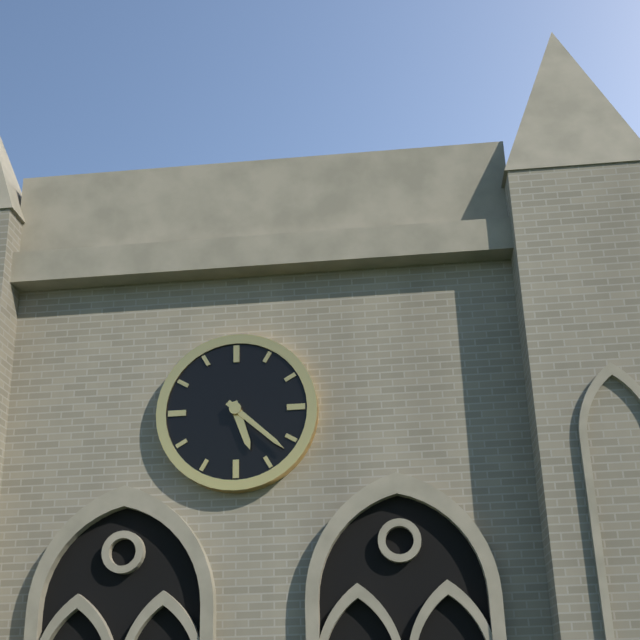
**5:22**
